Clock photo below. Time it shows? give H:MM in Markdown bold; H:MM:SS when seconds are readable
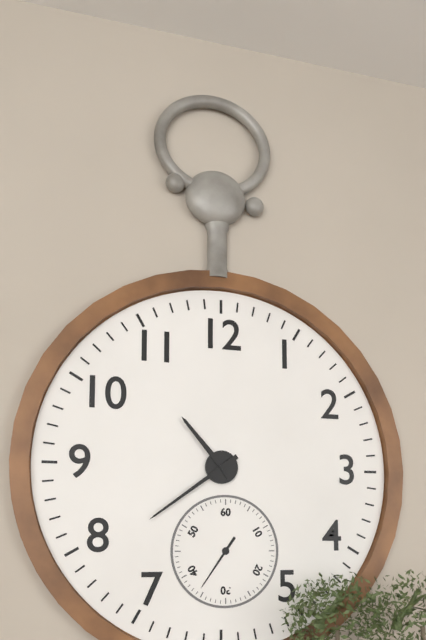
**10:39**
